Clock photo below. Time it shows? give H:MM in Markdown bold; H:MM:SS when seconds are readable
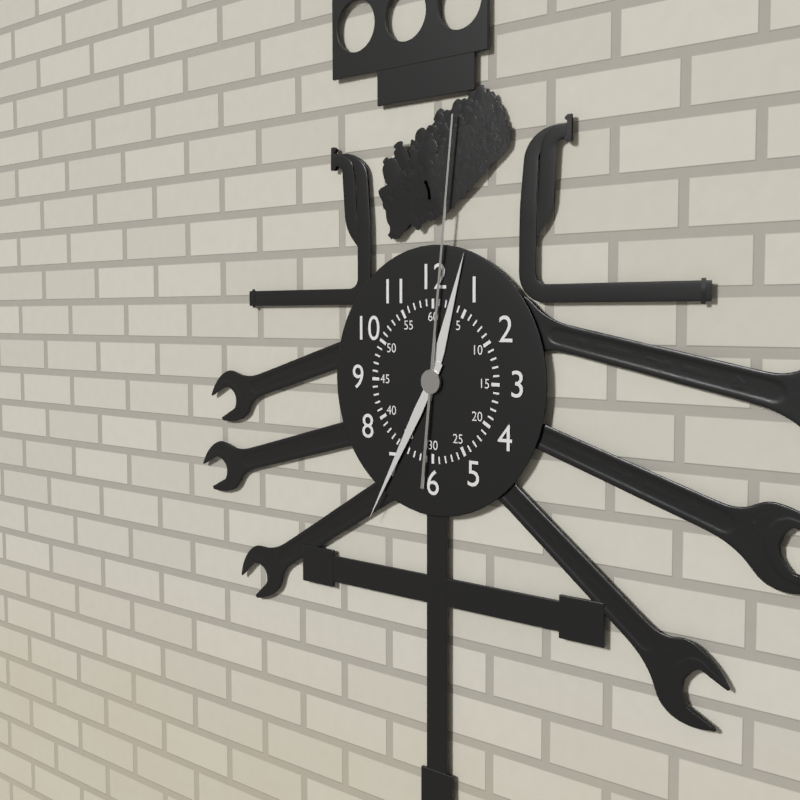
**12:35:01**
